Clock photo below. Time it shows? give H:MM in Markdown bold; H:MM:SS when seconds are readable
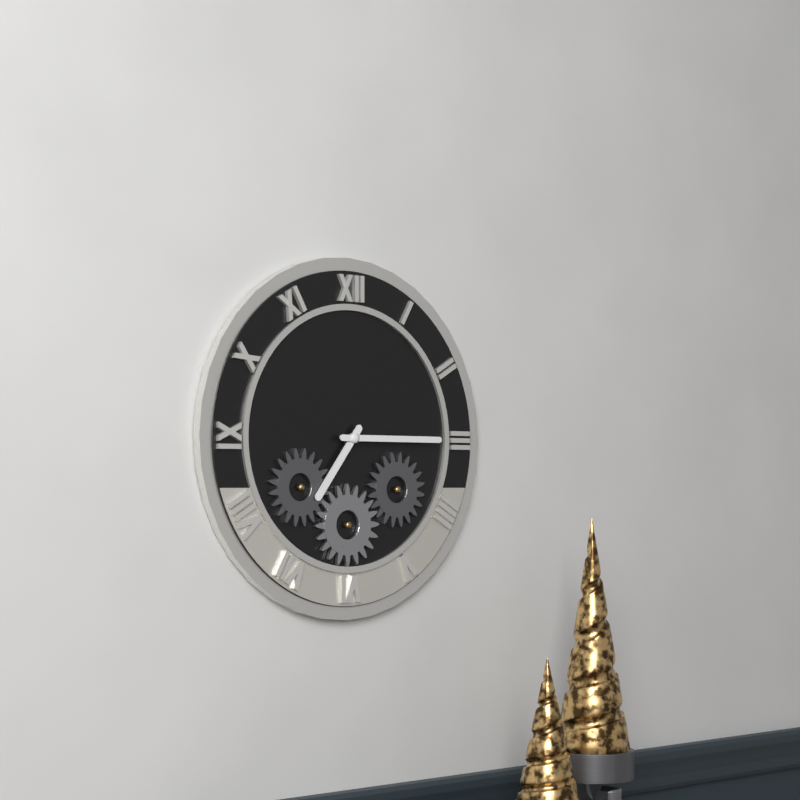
**7:15**
